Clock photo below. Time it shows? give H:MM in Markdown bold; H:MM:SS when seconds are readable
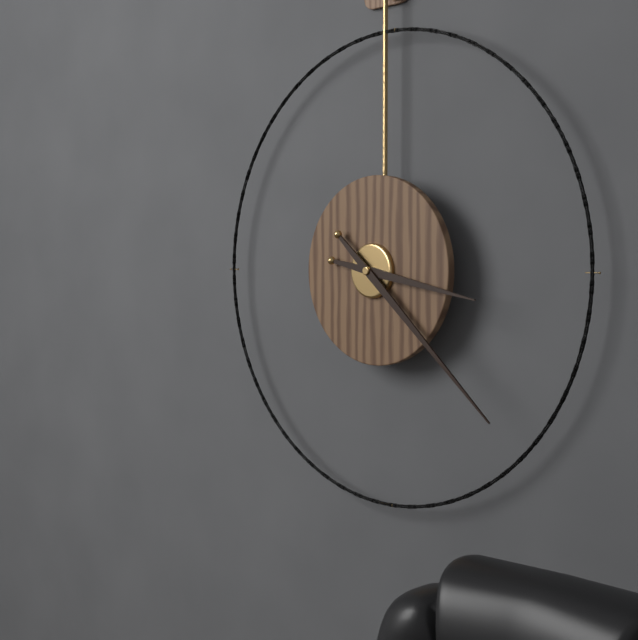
**3:22**
